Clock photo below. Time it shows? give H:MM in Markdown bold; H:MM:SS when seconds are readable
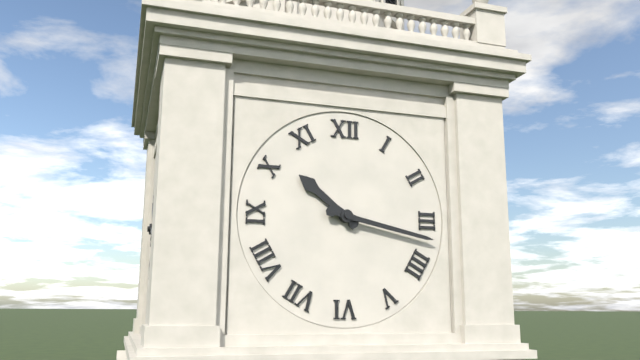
**10:17**
